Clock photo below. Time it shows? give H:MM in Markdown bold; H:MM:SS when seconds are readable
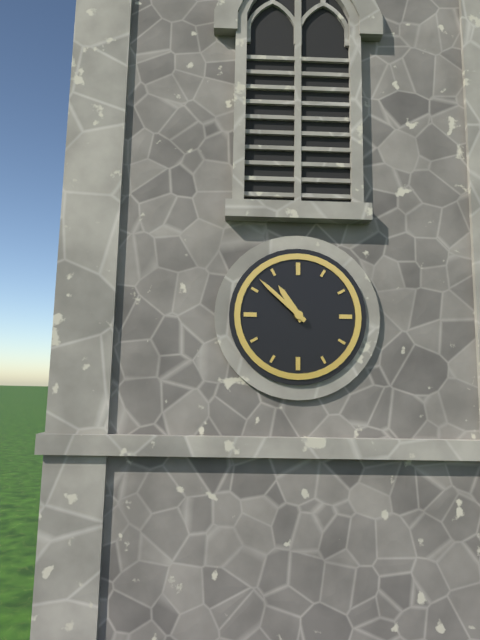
**10:52**
